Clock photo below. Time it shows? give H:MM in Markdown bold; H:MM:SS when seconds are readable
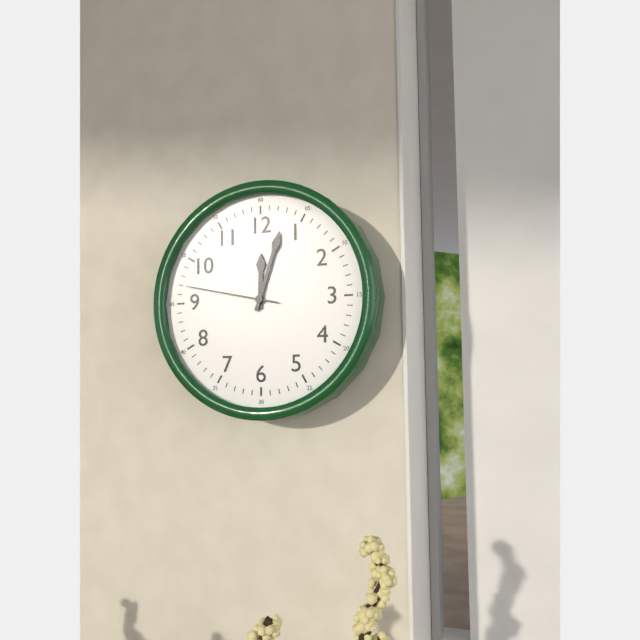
**12:03:47**
